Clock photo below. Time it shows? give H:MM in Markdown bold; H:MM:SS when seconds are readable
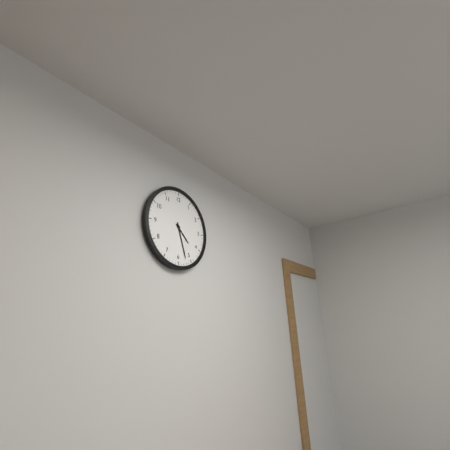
**4:27**
